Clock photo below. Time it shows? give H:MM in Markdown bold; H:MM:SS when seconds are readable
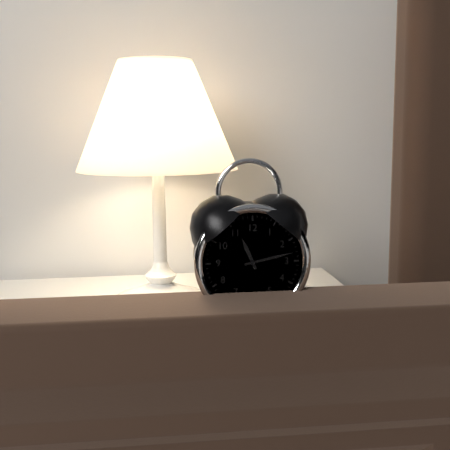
**11:13**
